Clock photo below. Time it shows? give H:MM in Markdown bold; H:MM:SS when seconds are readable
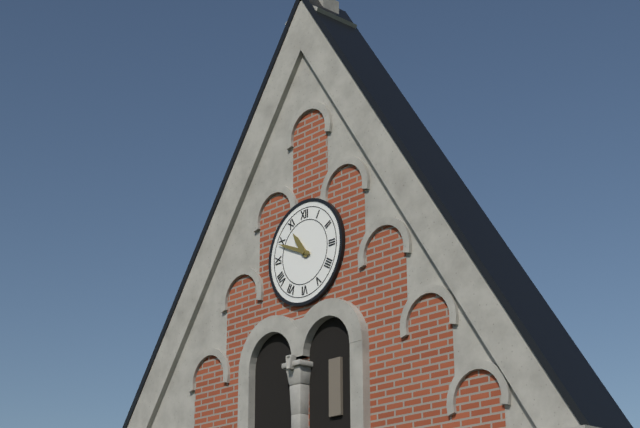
**10:49**
